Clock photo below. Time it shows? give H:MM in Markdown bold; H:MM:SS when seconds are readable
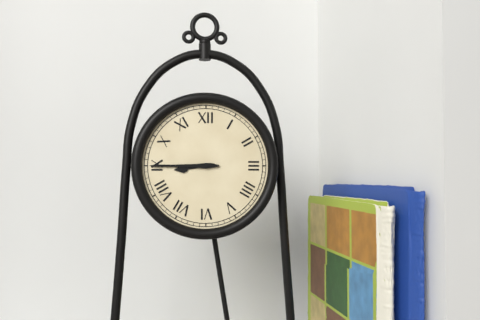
**8:45**
